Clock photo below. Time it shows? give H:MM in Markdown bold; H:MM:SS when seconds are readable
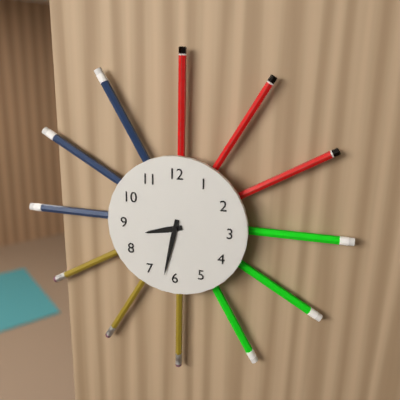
**8:32**
